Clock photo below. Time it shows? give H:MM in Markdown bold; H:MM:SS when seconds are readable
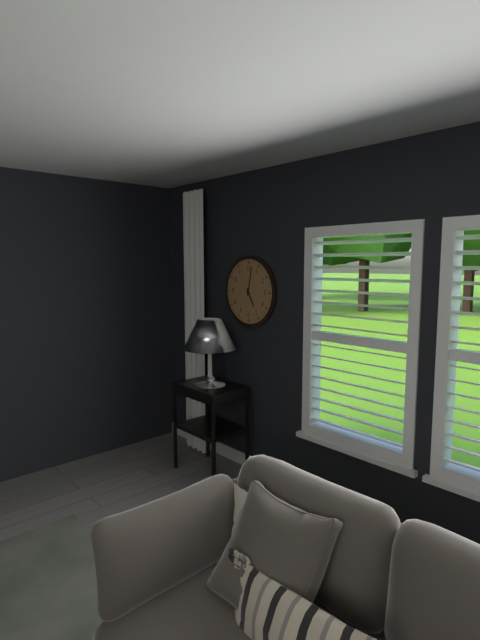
**5:02**
